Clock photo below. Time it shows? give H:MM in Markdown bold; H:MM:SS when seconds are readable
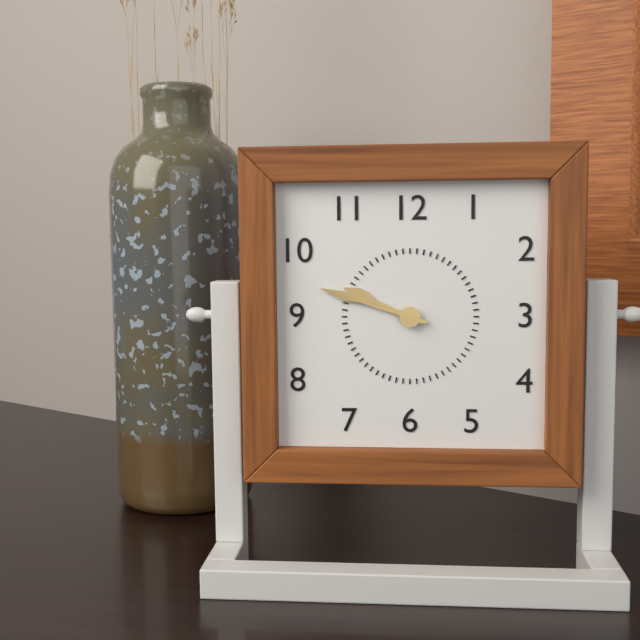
**9:48**
